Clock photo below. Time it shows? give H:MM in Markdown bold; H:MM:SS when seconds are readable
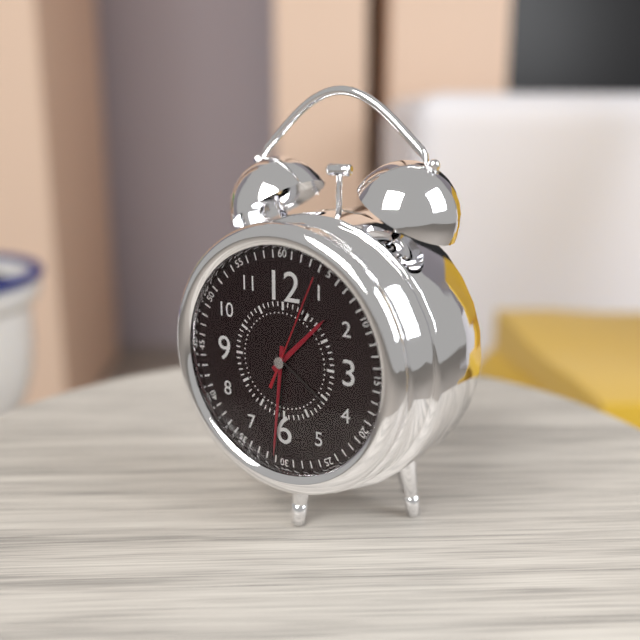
**1:31:04**
